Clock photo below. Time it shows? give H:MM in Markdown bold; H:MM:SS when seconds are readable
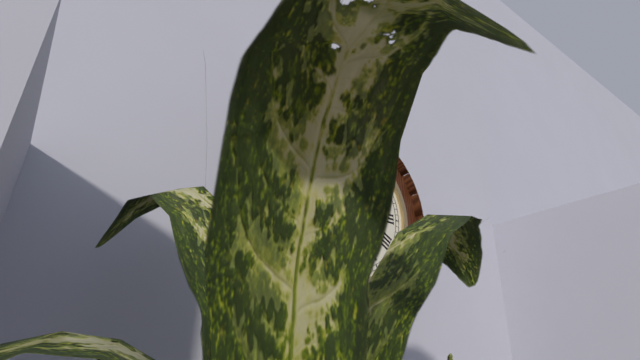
**6:43**
